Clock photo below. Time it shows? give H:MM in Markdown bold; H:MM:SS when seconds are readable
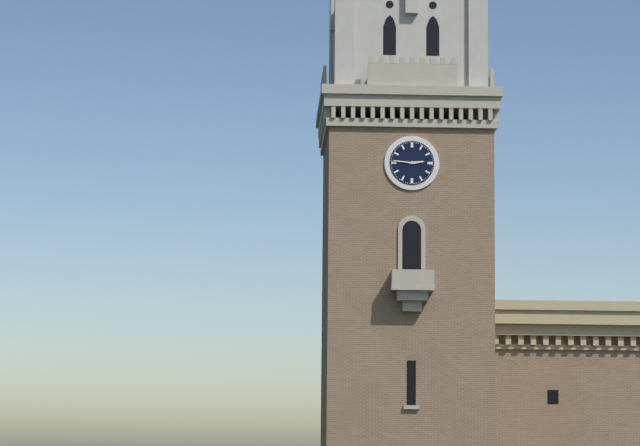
**2:46**
